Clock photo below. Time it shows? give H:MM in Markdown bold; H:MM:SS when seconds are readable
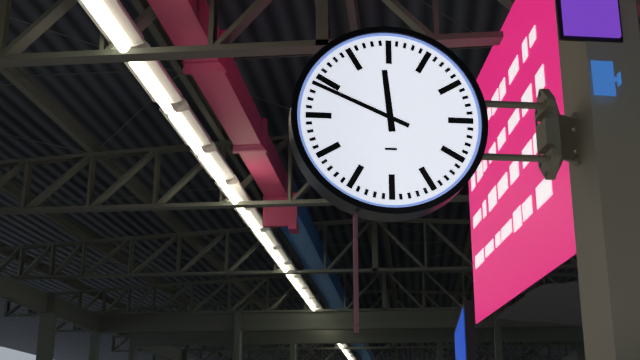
**11:49**
